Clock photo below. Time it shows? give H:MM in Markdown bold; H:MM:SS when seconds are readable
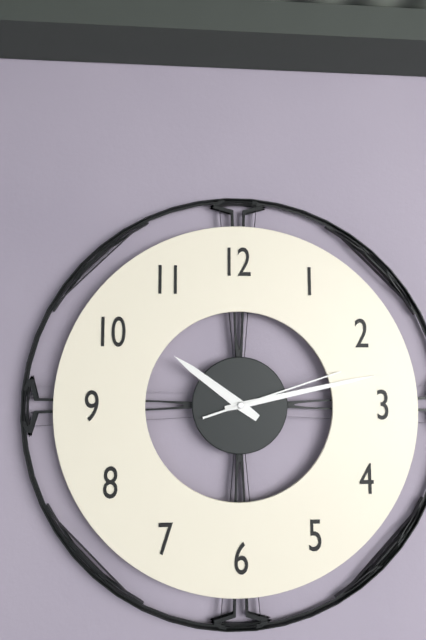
**10:13:12**
